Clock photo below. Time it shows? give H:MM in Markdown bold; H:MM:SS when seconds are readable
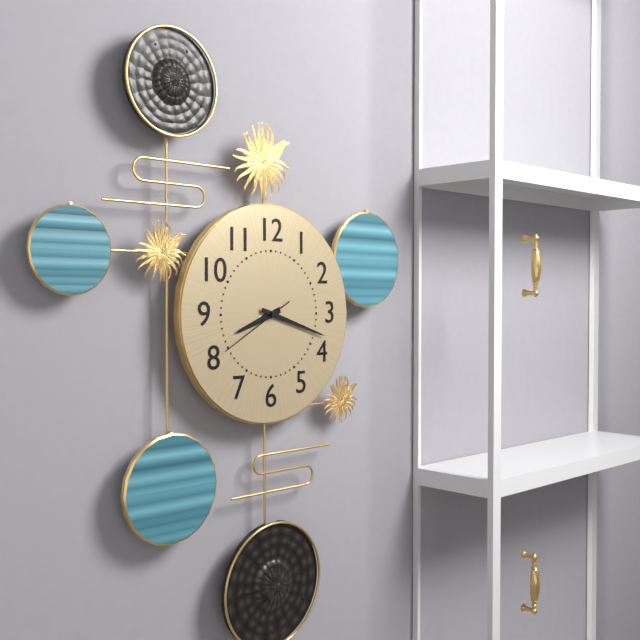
**8:18:40**
